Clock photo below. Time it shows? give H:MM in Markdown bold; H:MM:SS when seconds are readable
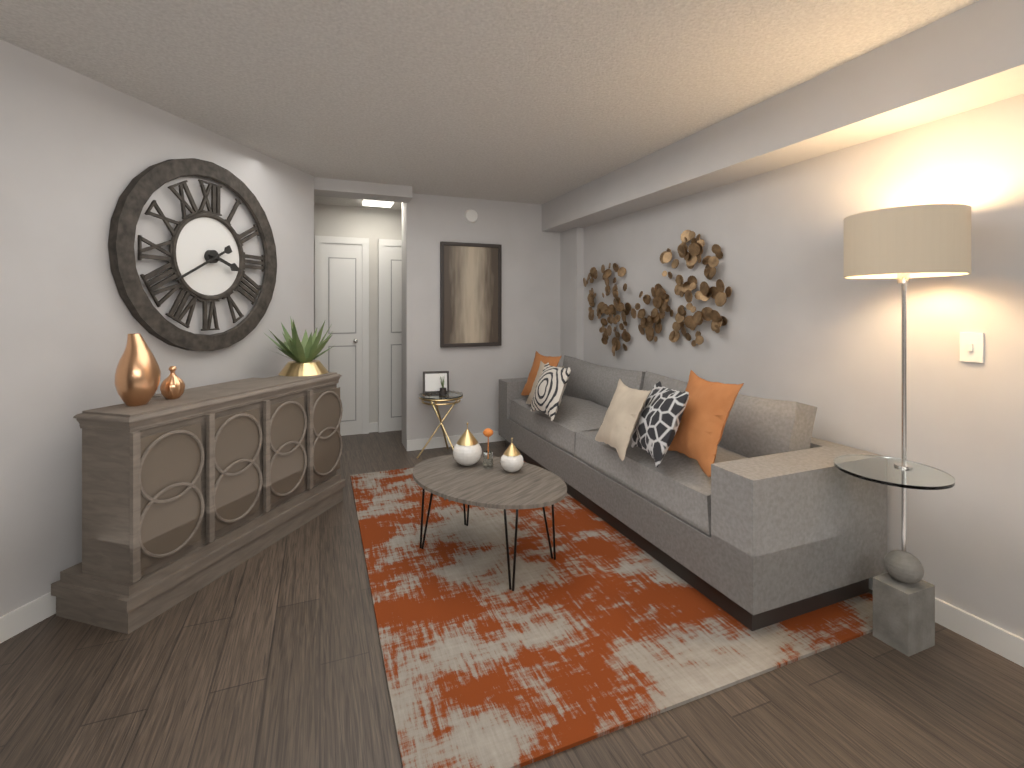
**3:40**
